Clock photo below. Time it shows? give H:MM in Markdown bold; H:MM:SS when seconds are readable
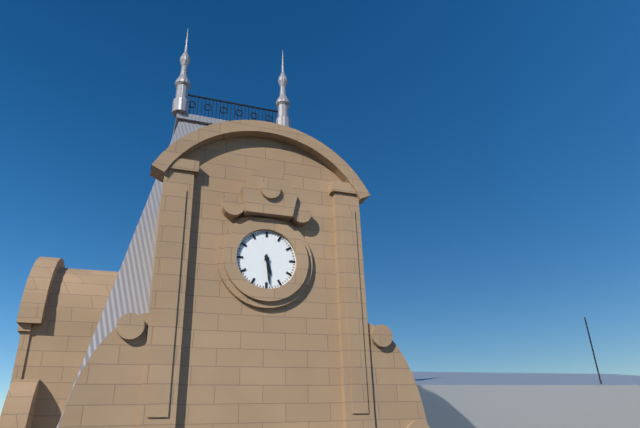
**5:29**
